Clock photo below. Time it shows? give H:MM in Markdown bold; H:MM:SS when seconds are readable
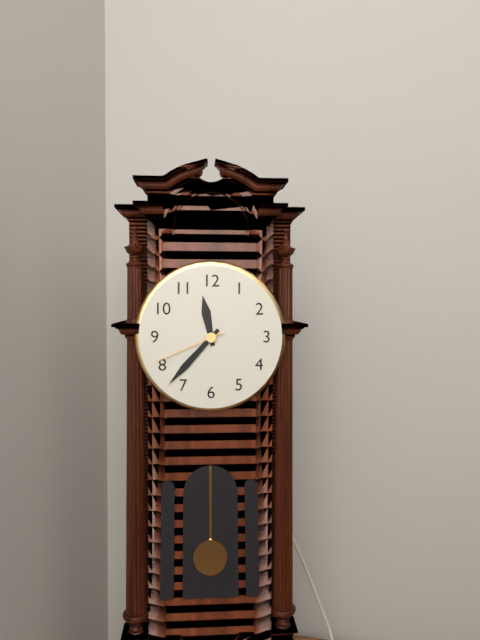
**11:37:41**
